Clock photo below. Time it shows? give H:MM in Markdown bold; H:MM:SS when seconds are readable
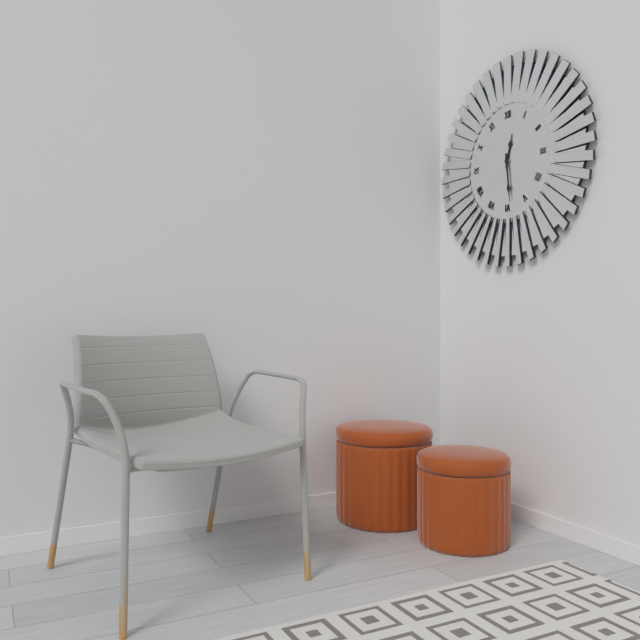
**12:29**
